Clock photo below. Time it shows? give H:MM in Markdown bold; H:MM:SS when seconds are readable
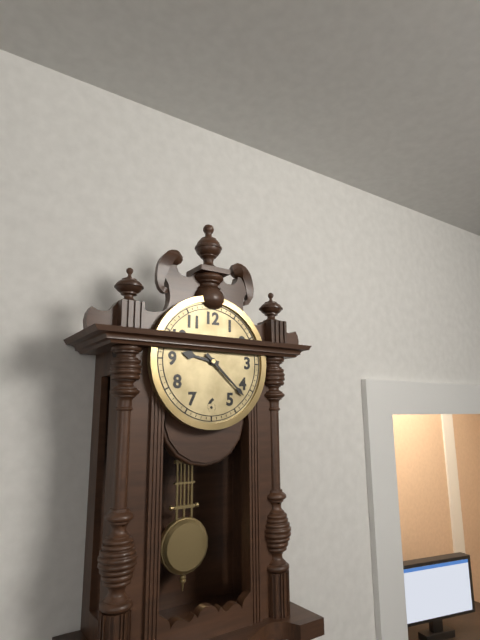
**9:22**
